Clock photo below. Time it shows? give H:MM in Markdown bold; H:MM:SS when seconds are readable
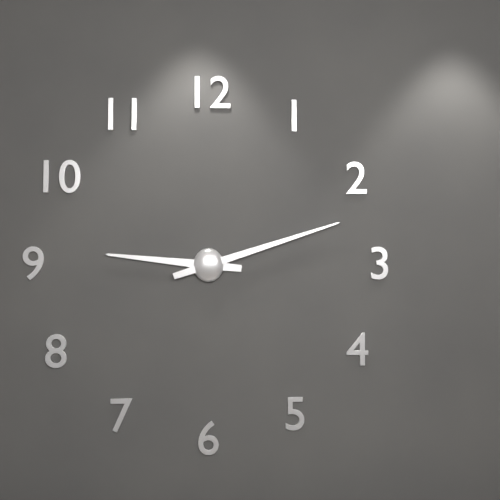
**9:12**
